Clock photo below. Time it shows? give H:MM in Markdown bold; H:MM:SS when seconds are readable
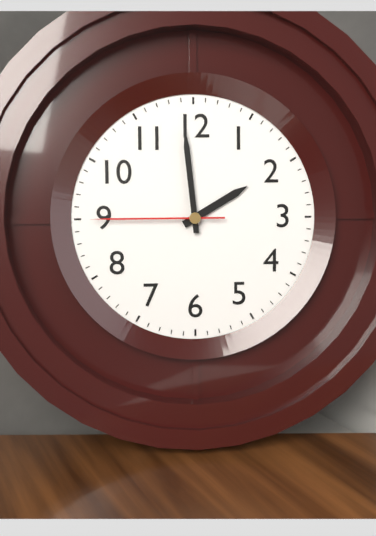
**1:59:45**
